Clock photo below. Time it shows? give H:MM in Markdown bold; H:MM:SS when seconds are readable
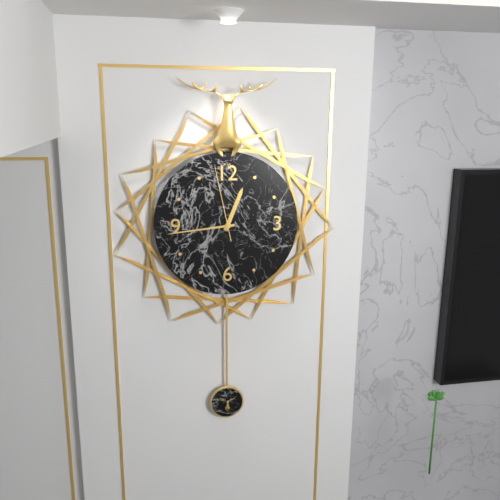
**12:44:58**
